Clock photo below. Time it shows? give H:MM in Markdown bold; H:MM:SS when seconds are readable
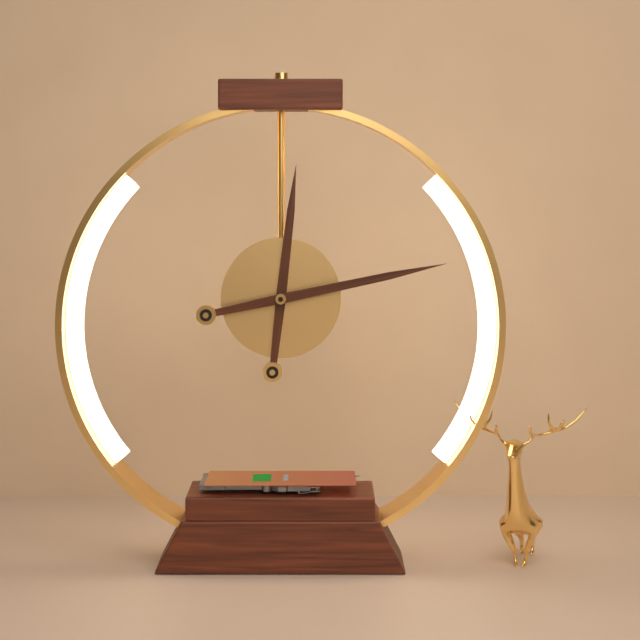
**12:13**
